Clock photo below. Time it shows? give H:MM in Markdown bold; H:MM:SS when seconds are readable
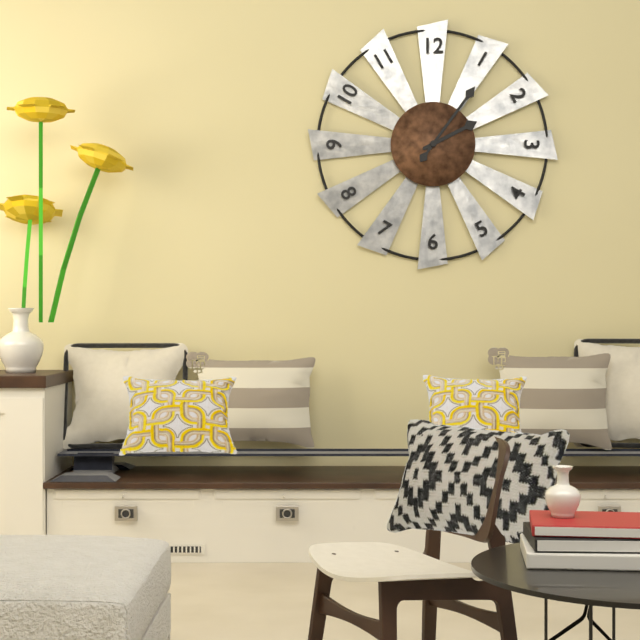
**2:06**
